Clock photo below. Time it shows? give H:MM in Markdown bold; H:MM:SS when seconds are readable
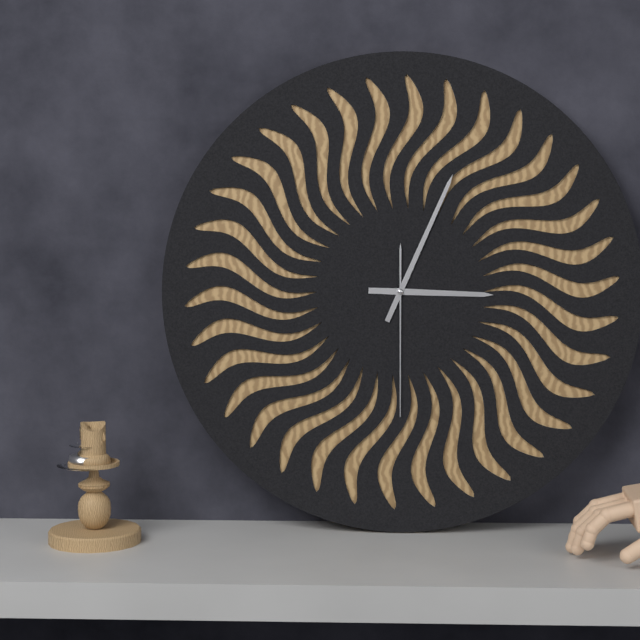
**3:04:30**
